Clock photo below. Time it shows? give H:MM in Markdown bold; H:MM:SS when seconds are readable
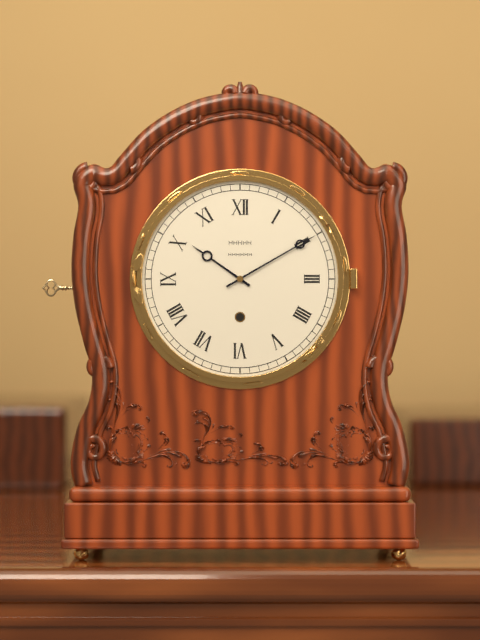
**10:10**
